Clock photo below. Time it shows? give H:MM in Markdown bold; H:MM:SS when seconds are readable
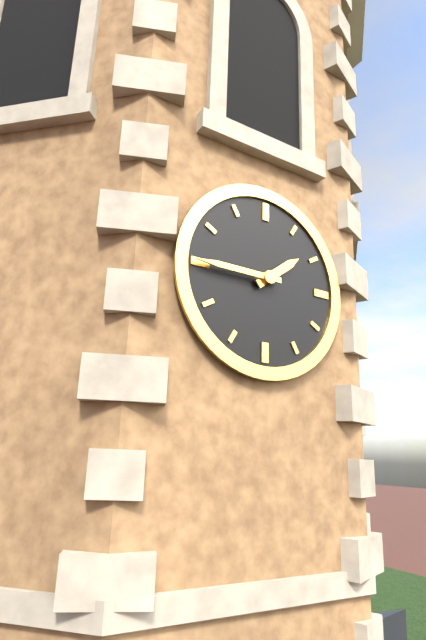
**1:45**
